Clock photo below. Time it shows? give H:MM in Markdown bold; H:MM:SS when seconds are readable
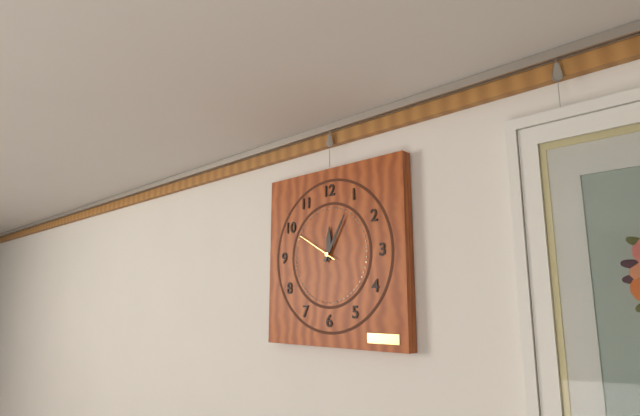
**12:05**
